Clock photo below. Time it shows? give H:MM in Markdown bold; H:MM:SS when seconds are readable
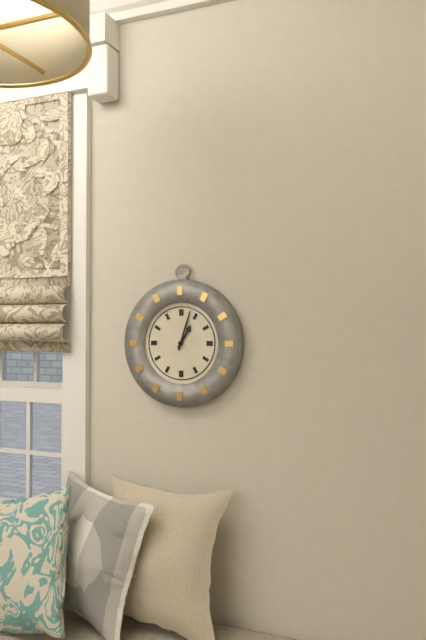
**1:03**
